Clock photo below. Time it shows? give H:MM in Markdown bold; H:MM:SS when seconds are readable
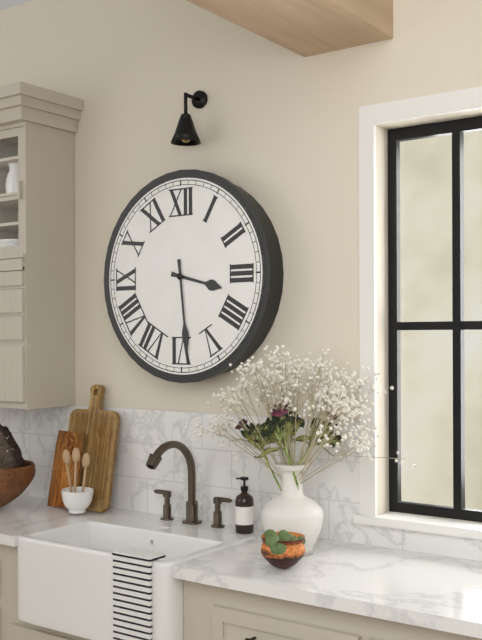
**3:29**
